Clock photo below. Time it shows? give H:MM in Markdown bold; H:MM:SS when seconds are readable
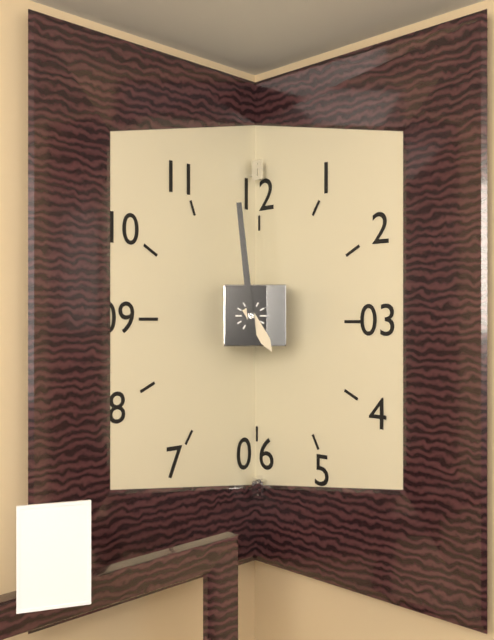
**4:59**
